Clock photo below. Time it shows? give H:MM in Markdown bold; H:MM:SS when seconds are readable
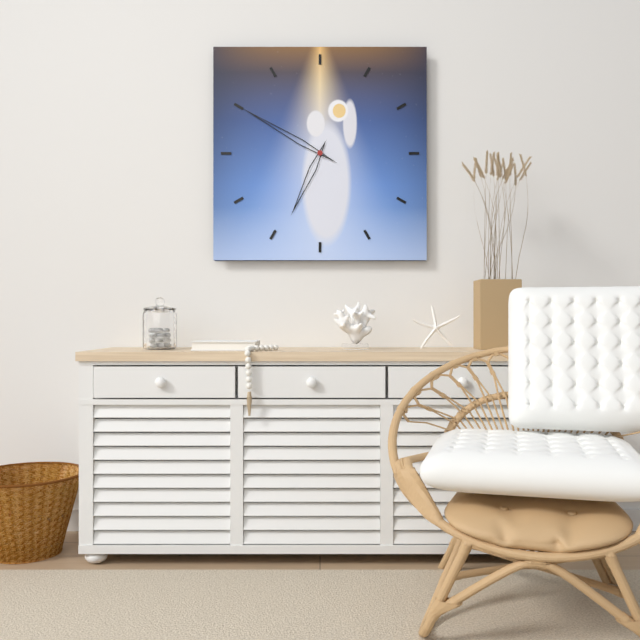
**6:50**
